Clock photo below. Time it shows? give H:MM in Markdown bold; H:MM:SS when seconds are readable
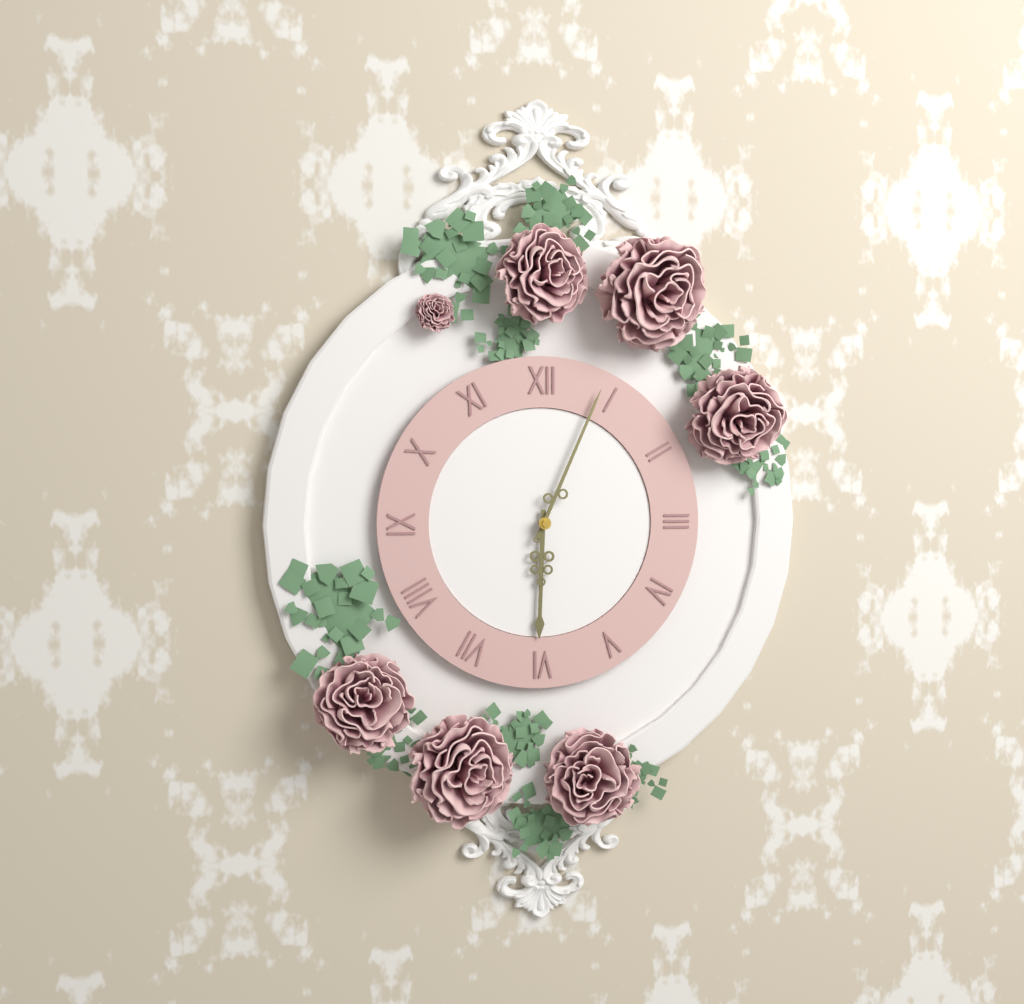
**6:04**
